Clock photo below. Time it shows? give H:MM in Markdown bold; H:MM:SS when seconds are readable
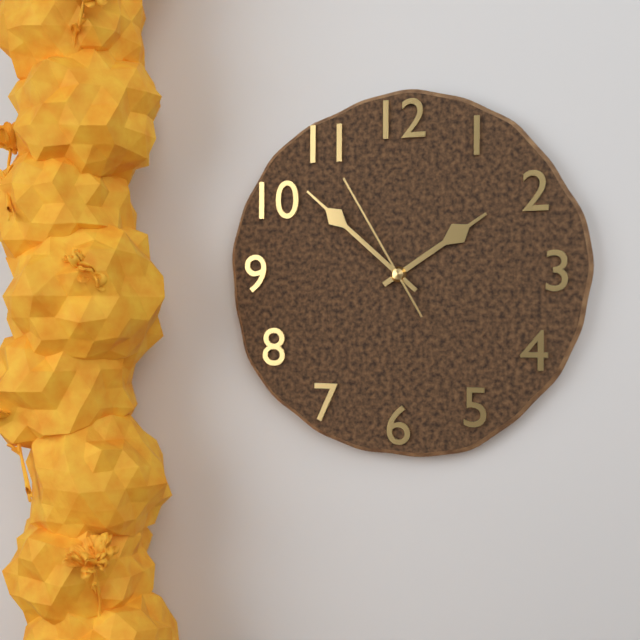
**1:52:55**
